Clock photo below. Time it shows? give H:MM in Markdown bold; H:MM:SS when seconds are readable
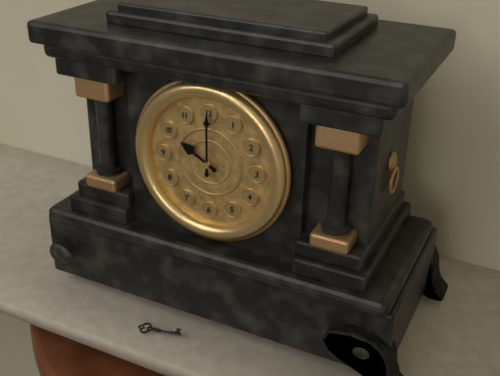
**10:00**
